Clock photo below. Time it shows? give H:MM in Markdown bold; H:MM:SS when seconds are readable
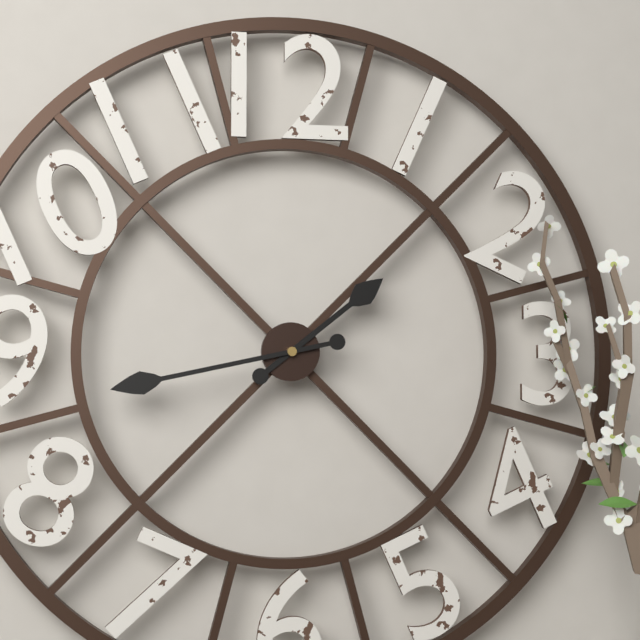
**1:43**
